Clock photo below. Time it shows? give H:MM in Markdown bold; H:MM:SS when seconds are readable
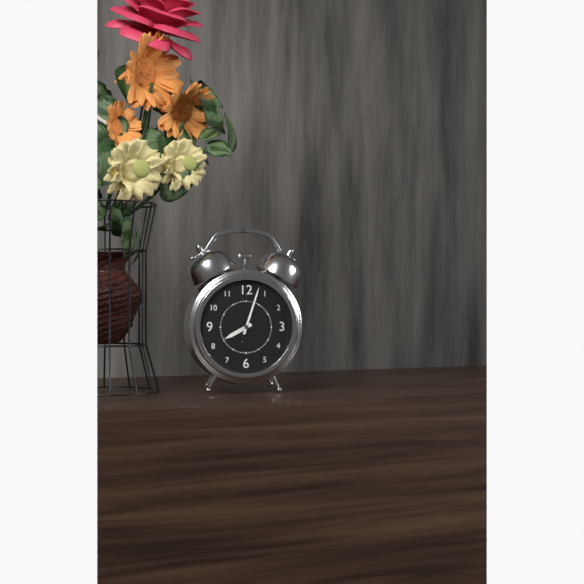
**8:03**
